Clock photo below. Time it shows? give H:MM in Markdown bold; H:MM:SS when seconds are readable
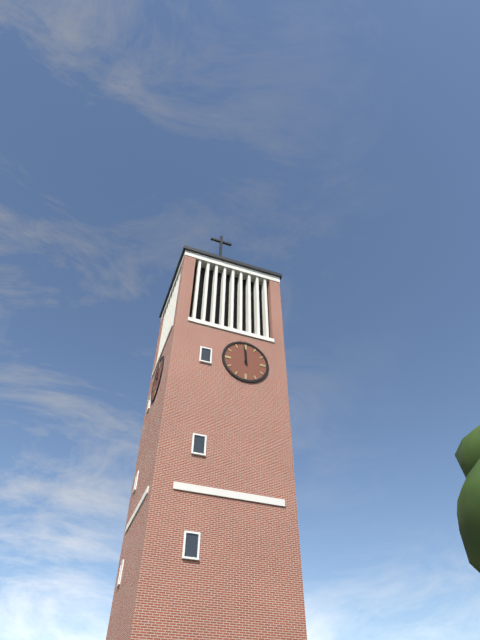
**11:59**
